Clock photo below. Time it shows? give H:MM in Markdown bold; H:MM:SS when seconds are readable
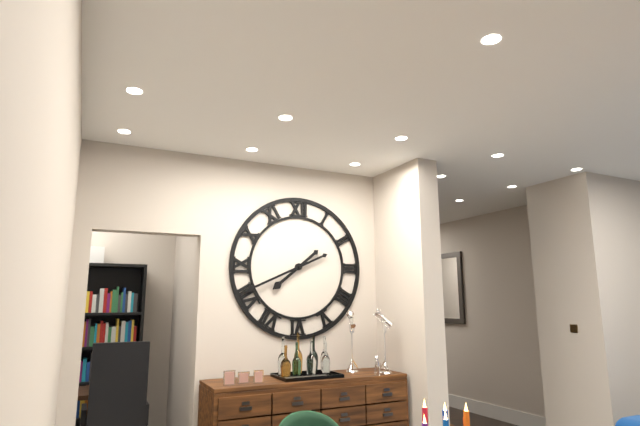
**7:41**
